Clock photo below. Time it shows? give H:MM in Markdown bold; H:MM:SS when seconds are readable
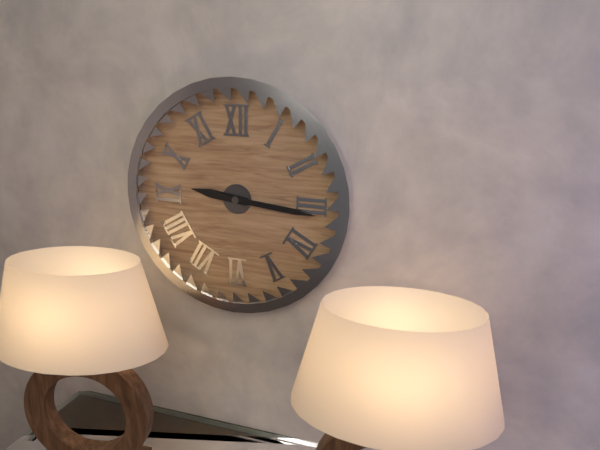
**9:16**
